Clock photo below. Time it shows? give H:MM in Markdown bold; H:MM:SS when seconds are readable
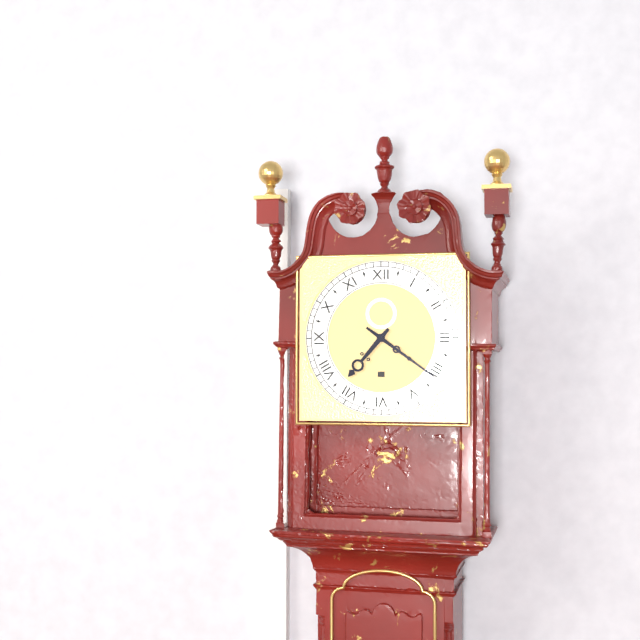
**7:21**
